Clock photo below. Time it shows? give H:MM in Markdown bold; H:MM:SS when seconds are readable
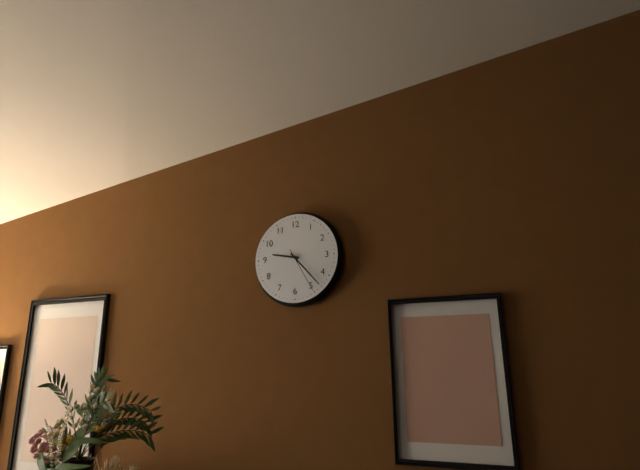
**9:23**
